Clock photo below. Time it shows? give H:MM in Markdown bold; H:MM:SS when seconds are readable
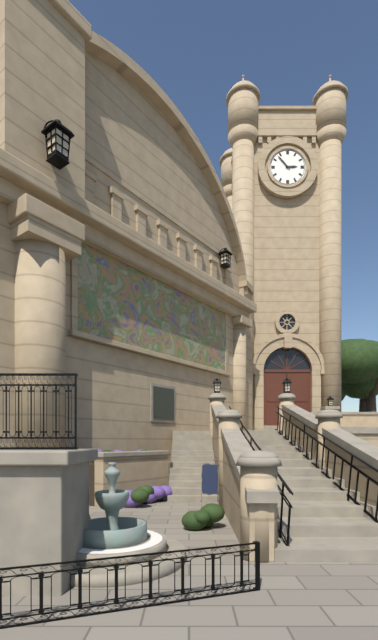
**2:53**
